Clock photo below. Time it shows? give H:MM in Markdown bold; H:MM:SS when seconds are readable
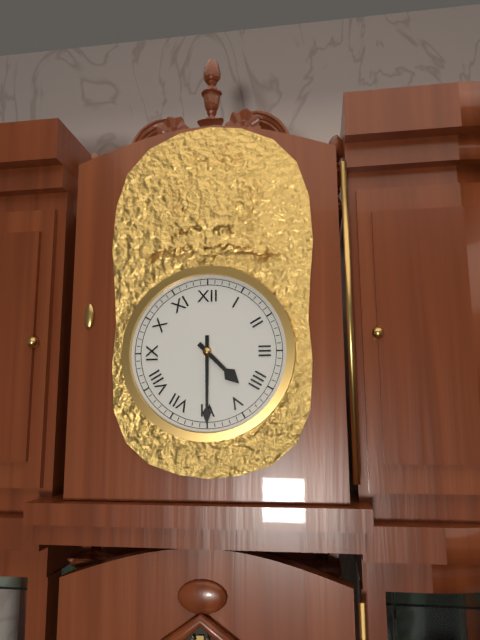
**4:30**
